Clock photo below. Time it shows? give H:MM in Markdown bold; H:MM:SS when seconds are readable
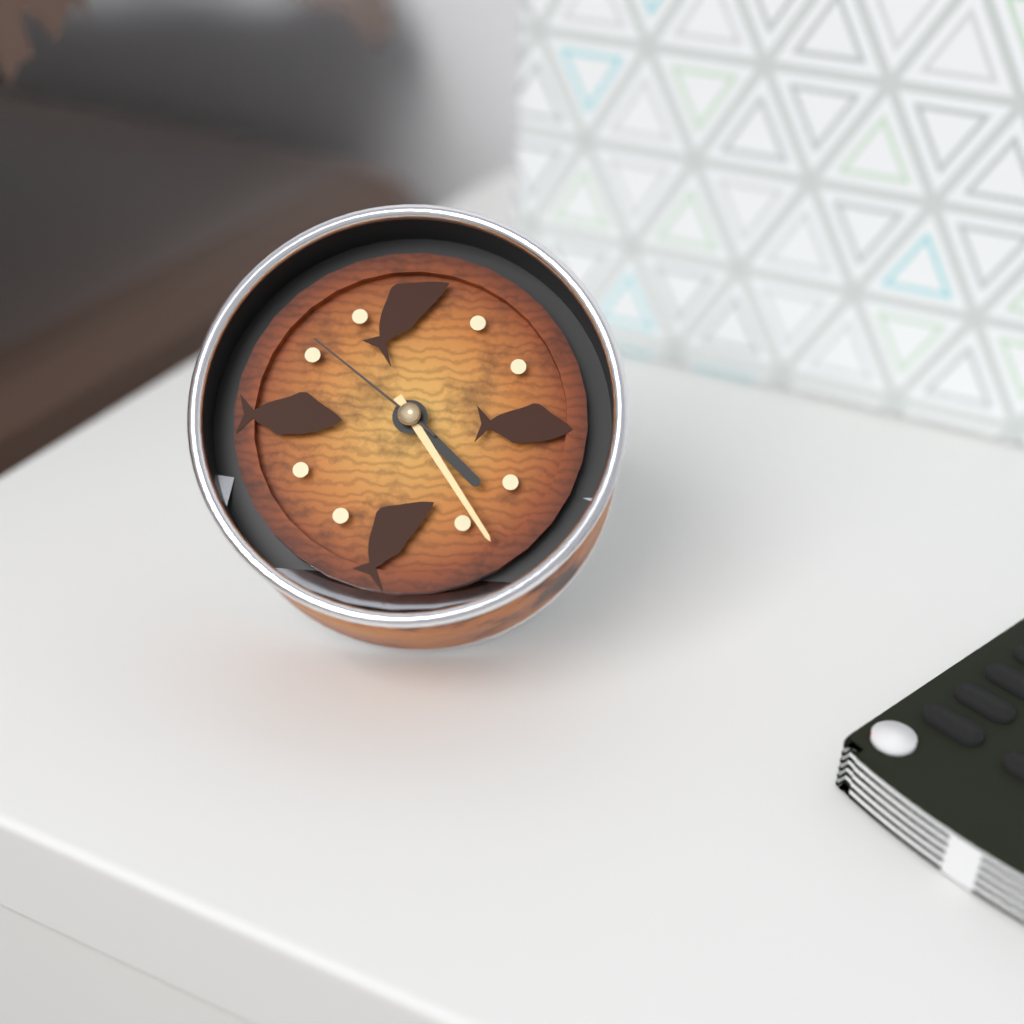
**4:24:51**
